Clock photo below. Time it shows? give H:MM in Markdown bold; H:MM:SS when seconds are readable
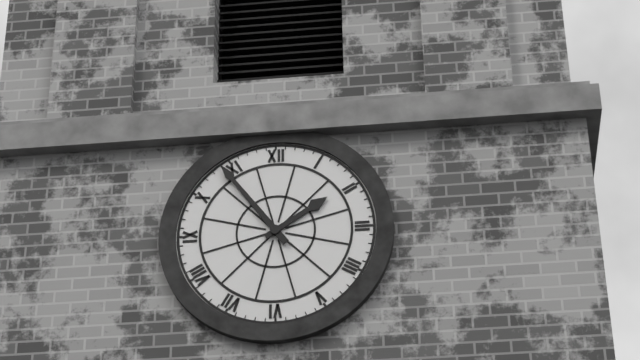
**1:54**
